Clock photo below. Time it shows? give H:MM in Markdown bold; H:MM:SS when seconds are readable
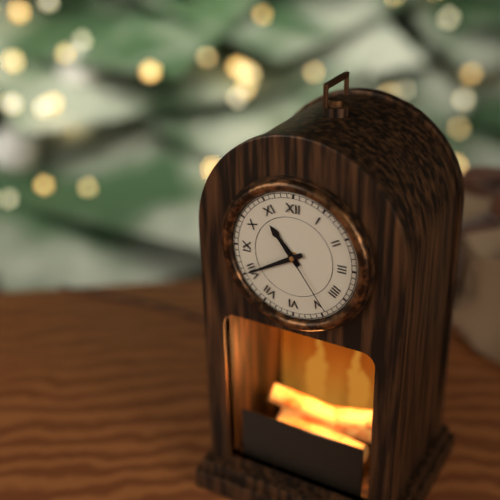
**10:40:24**
